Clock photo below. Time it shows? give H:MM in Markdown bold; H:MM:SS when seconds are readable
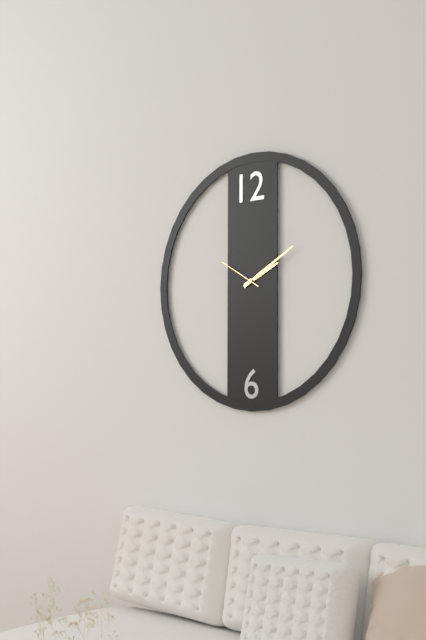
**2:10**
